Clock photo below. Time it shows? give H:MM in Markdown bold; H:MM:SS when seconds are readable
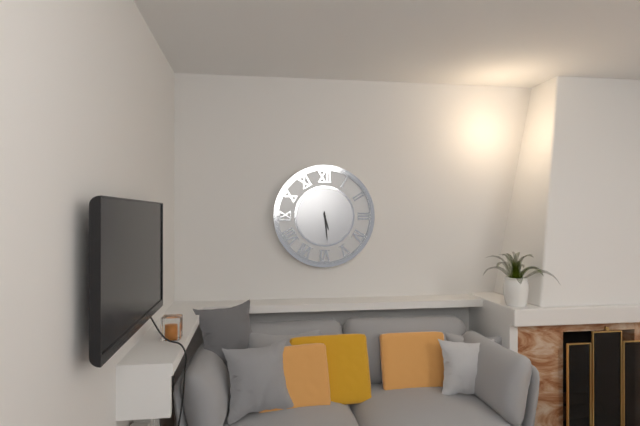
**5:29**
